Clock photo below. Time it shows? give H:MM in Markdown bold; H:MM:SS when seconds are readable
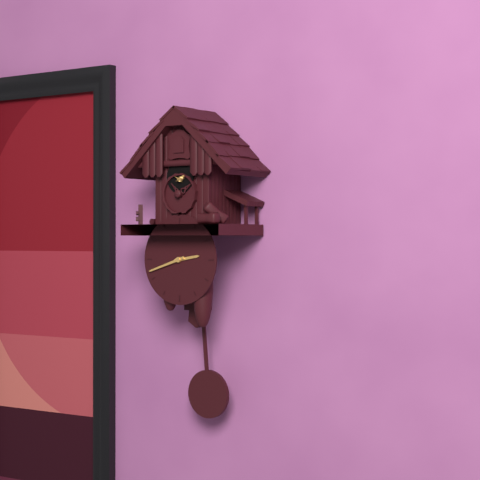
**2:42**
